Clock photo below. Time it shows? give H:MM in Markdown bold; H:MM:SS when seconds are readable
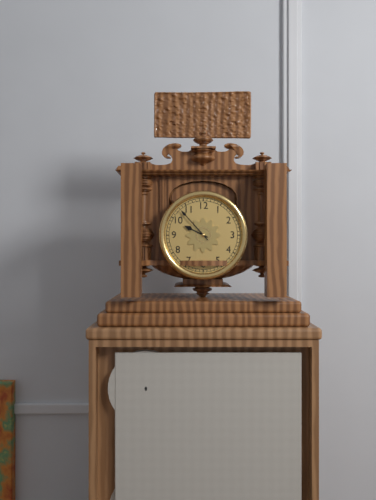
**9:53**
